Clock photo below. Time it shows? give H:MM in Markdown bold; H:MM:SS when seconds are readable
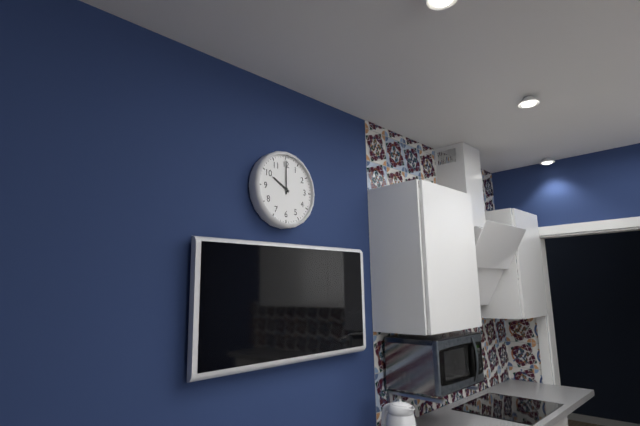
**10:00**
